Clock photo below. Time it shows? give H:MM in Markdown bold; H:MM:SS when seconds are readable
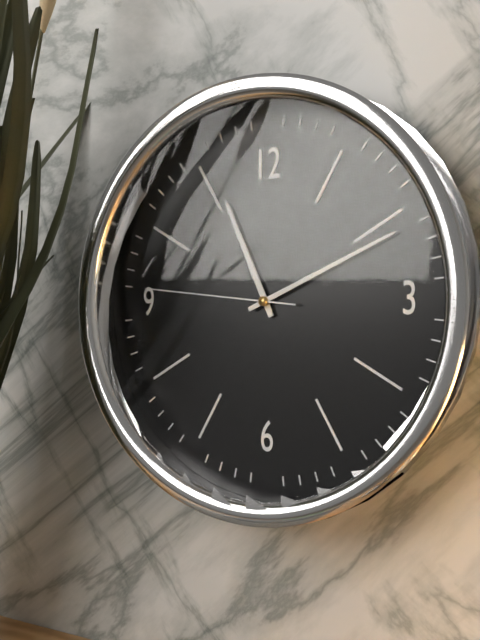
**11:11:46**
